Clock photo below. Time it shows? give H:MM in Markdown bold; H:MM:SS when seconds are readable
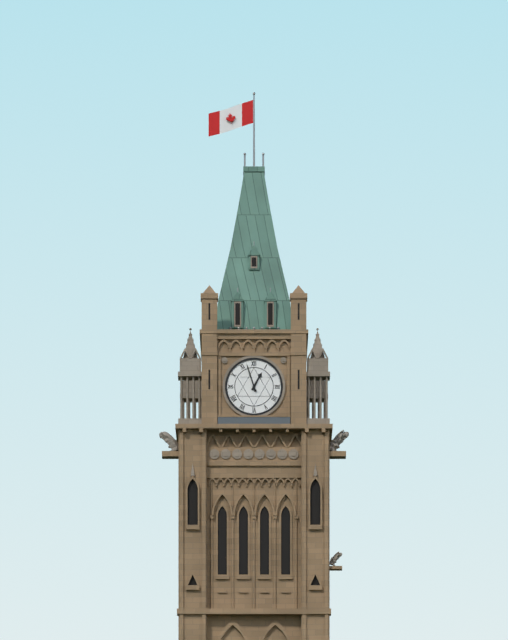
**12:57**
